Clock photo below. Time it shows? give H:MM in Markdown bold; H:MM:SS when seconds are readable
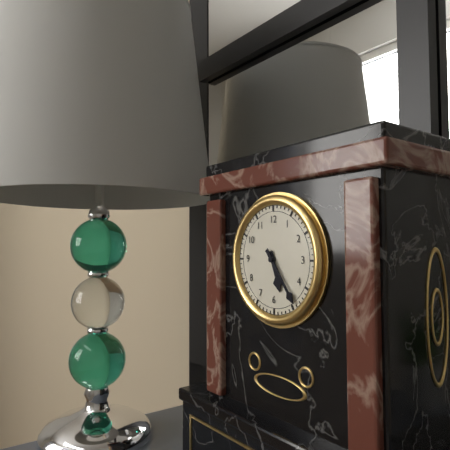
**5:24**
